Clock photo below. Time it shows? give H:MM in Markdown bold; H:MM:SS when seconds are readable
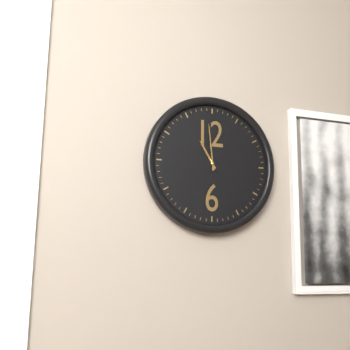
**10:59**
